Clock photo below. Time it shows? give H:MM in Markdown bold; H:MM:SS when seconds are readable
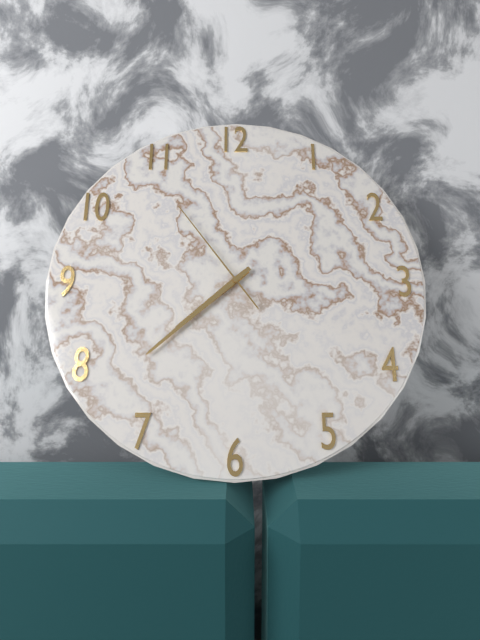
**7:38:54**
